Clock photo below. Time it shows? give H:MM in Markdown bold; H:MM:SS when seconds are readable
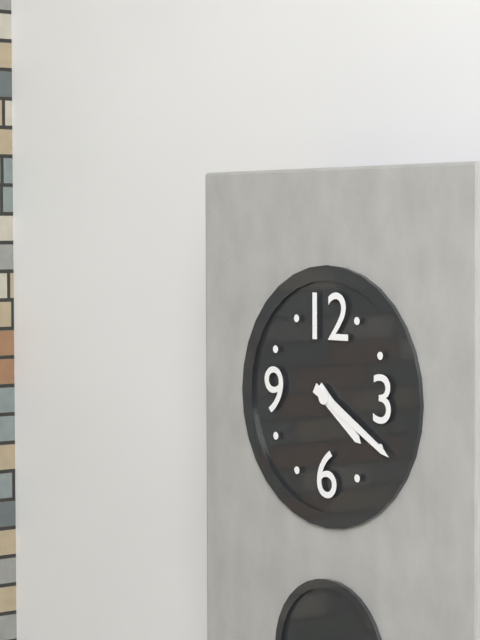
**4:20**
